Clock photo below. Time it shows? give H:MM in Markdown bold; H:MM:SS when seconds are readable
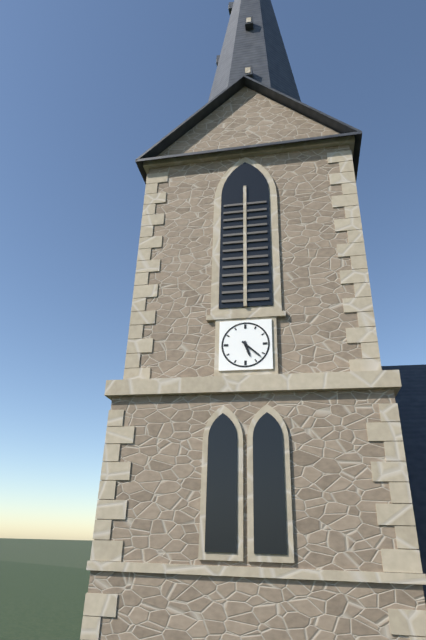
**5:22**
